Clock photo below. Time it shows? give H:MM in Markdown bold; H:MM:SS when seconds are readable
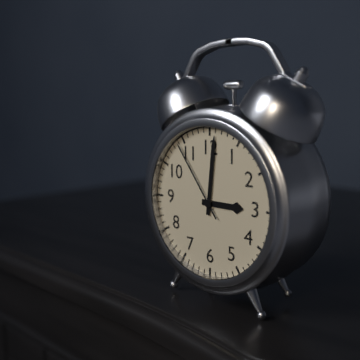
**3:01:54**
